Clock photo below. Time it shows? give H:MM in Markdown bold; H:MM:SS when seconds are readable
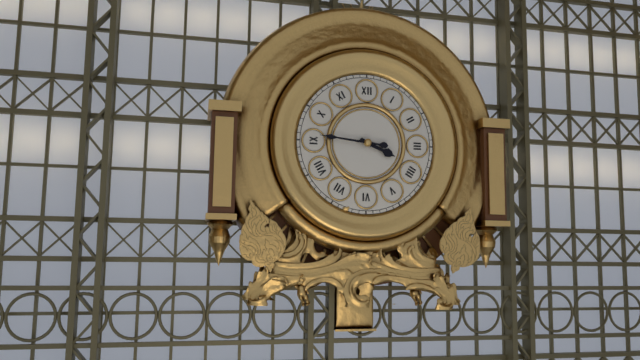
**3:46**
